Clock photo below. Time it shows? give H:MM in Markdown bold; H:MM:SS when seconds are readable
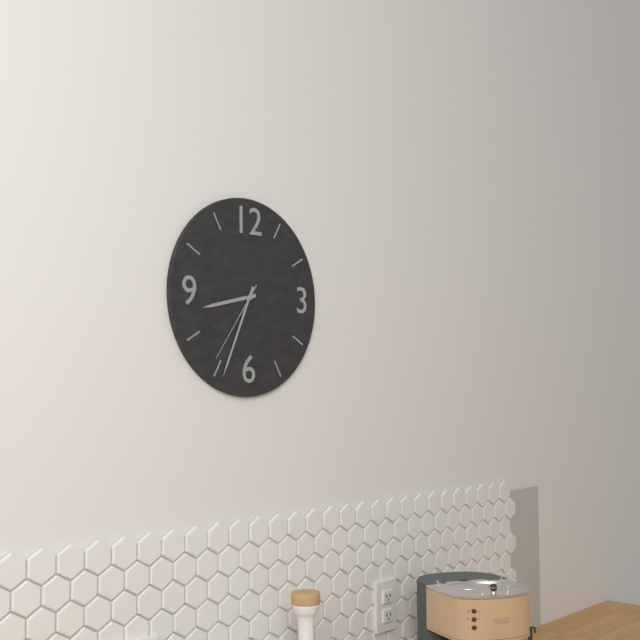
**8:34:36**
